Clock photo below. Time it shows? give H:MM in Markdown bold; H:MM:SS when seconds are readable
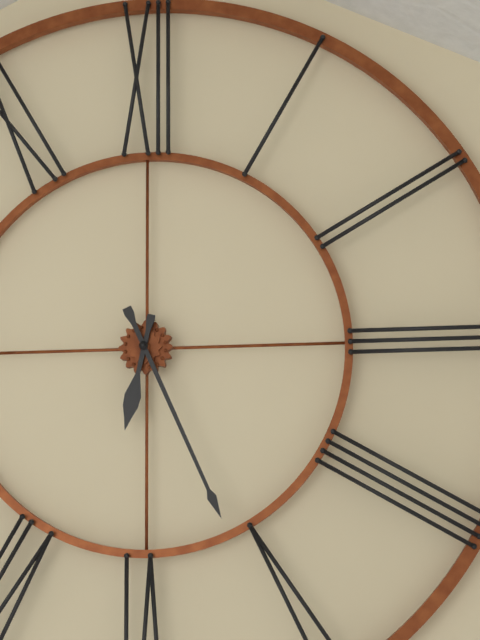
**6:26**
